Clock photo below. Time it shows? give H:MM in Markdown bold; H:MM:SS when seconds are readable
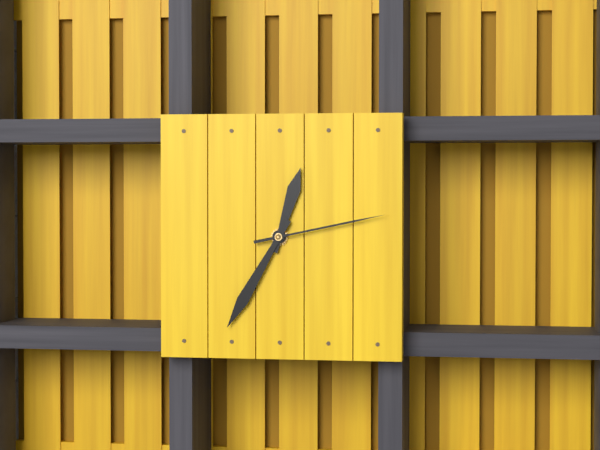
**12:35:13**
